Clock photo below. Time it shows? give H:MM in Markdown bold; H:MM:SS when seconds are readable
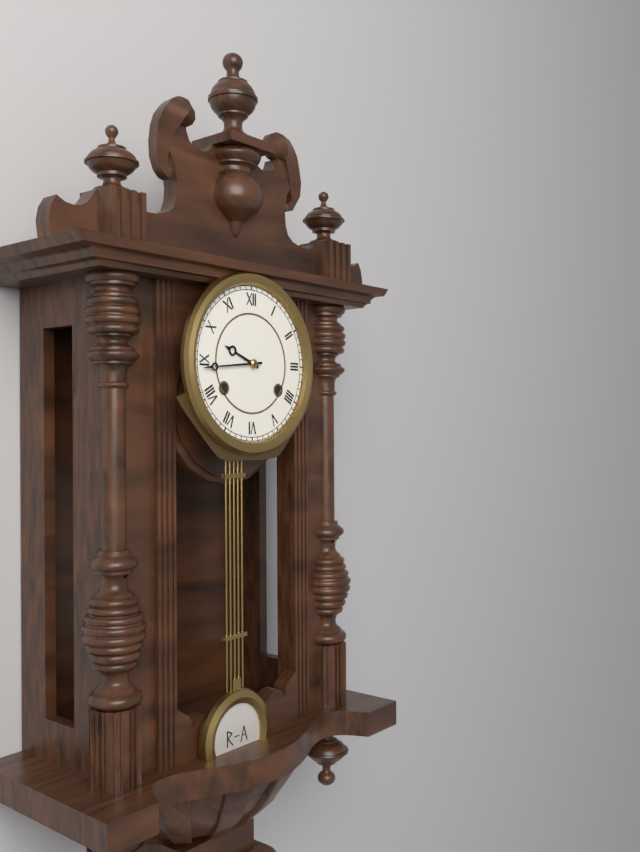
**9:44**
